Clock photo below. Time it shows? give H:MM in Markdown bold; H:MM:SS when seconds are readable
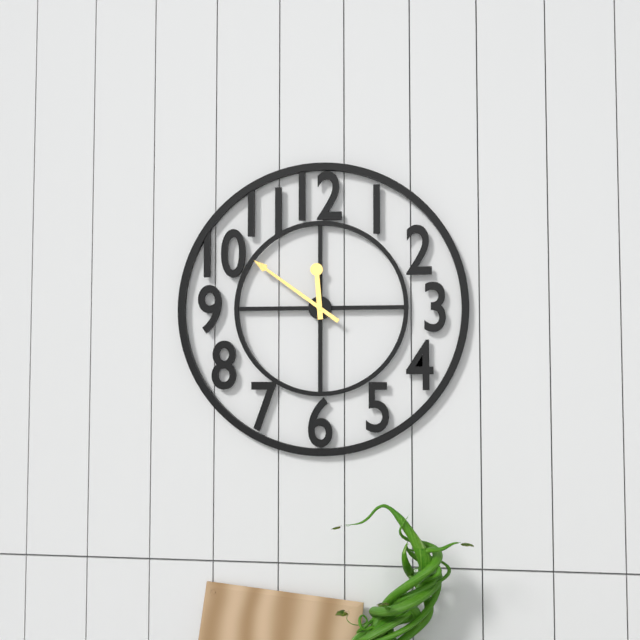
**11:51**
